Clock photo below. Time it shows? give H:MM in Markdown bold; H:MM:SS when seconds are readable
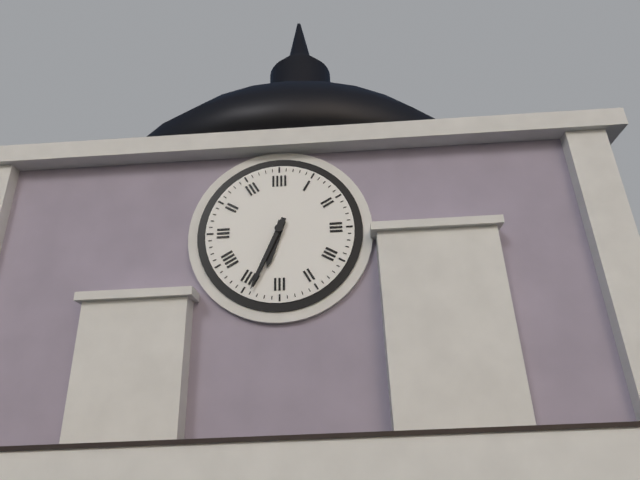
**6:34**
